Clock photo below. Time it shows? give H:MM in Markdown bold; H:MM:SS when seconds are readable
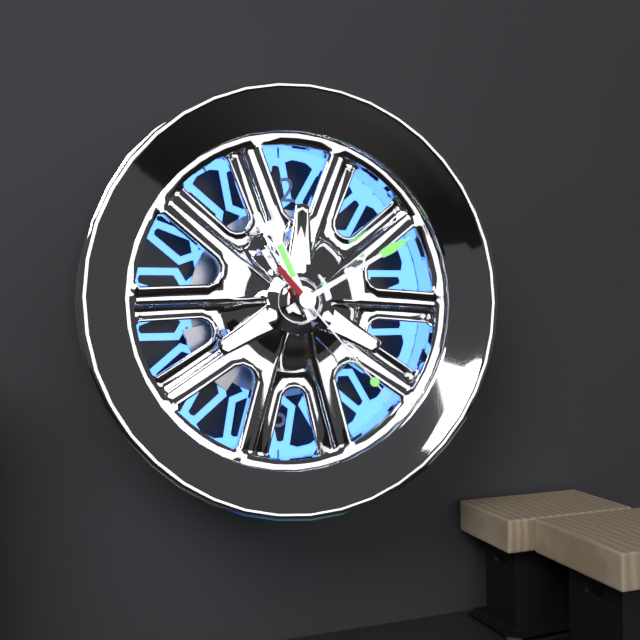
**11:10:23**
